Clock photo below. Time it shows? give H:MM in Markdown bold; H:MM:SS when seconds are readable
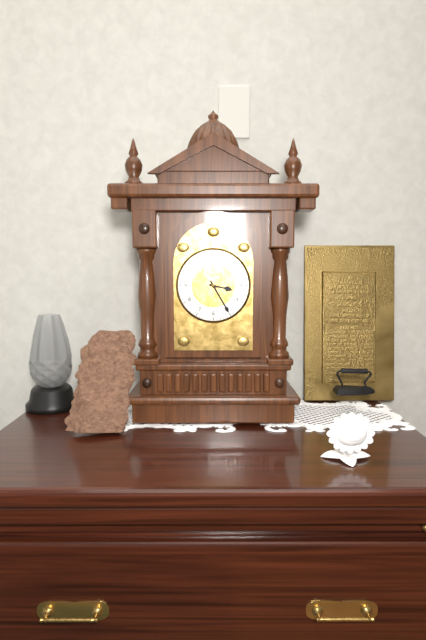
**3:25**
